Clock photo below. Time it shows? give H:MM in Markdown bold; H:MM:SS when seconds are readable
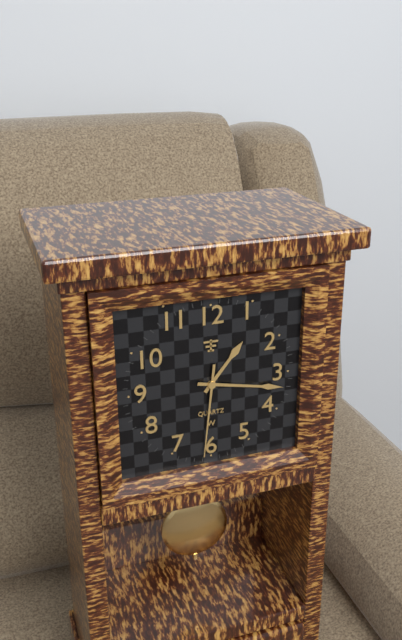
**1:17:31**
